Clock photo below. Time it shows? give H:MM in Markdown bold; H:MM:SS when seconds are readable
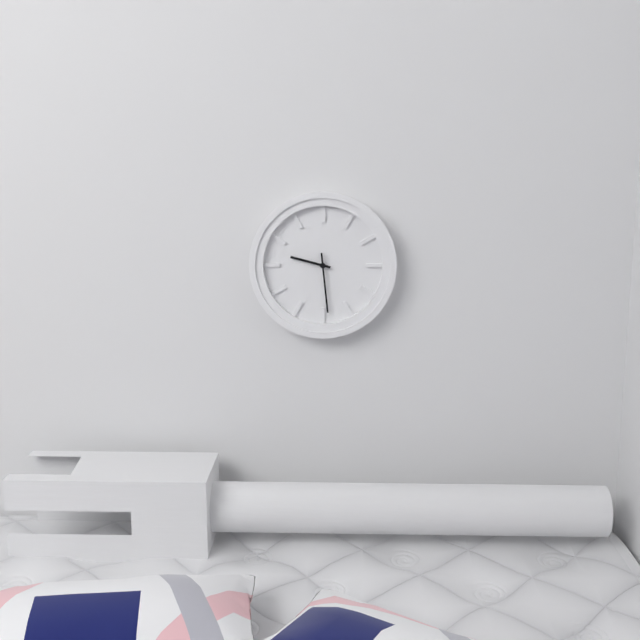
**9:29**
